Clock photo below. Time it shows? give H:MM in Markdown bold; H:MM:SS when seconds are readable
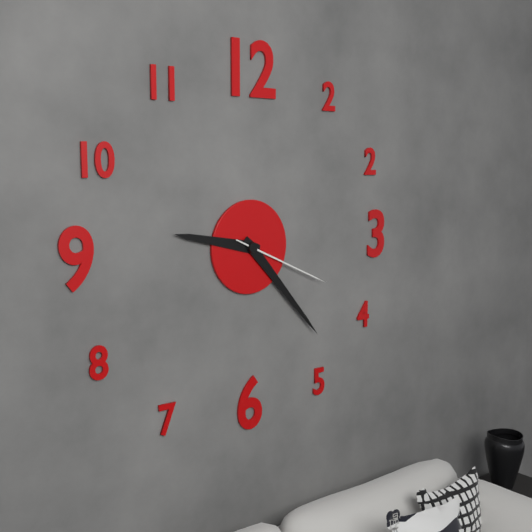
**9:23:19**
